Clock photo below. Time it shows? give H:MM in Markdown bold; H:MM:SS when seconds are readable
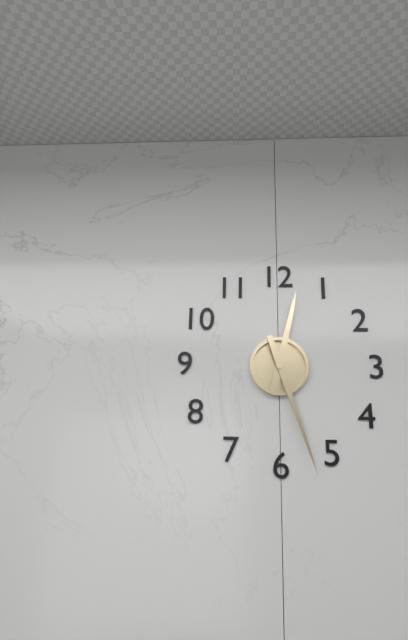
**12:27**
